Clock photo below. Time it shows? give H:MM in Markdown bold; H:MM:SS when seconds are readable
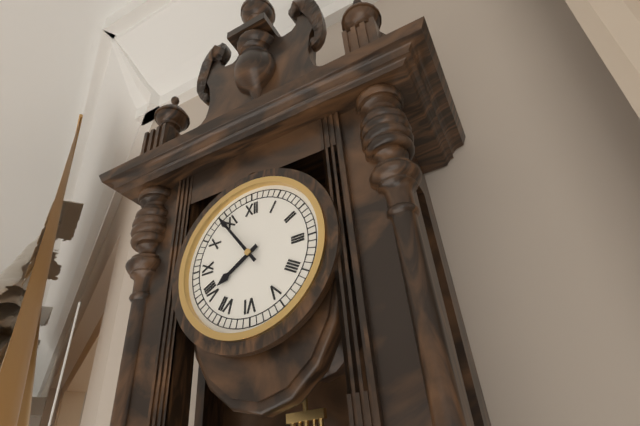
**7:54**
